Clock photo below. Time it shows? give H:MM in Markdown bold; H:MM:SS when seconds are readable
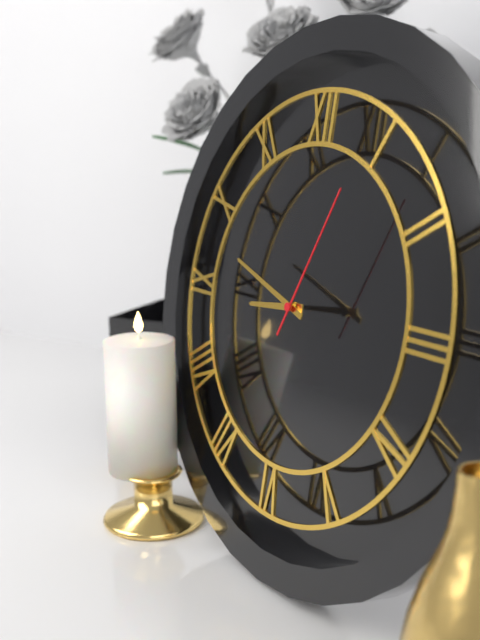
**8:48:04**
